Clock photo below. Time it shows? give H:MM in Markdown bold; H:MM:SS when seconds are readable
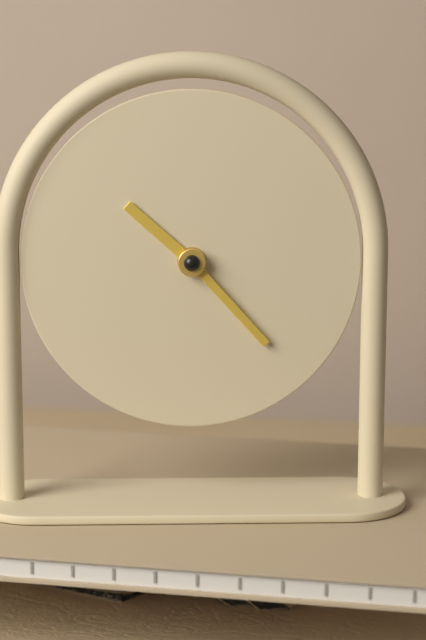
**10:23**
